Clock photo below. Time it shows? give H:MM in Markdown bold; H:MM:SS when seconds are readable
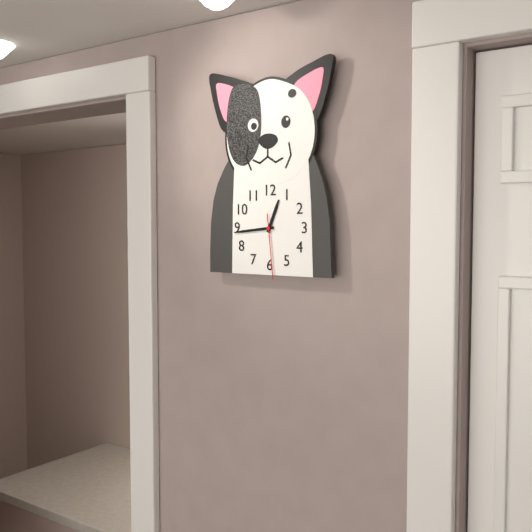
**12:44:29**
